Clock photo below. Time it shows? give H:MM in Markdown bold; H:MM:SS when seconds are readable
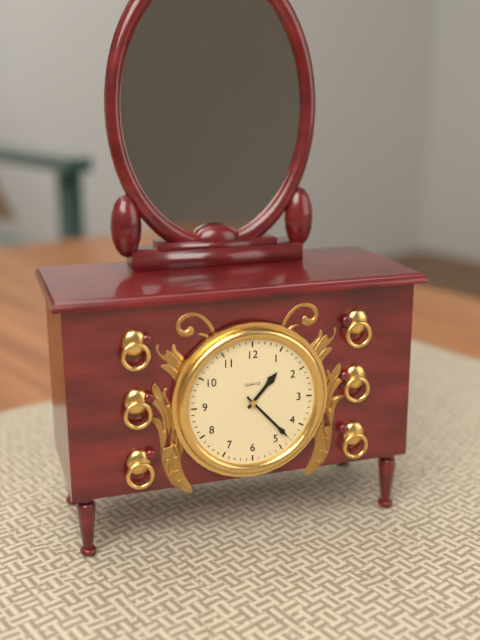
**1:23**
